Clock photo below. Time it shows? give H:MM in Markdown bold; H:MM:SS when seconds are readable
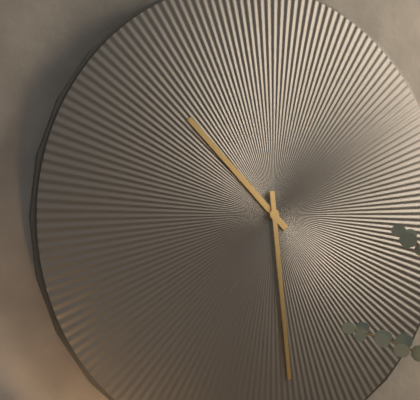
**10:29**
